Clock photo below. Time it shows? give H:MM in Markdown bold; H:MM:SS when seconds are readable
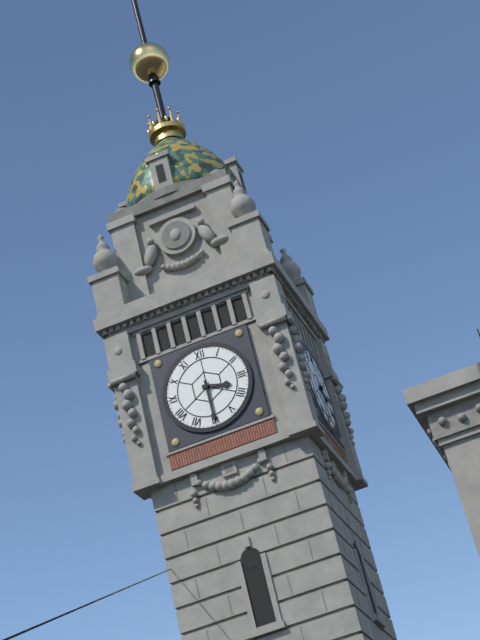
**3:30**
